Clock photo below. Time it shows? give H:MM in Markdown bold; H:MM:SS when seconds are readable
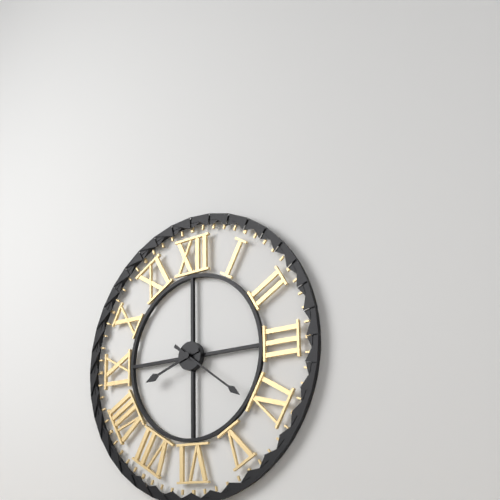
**8:21**
